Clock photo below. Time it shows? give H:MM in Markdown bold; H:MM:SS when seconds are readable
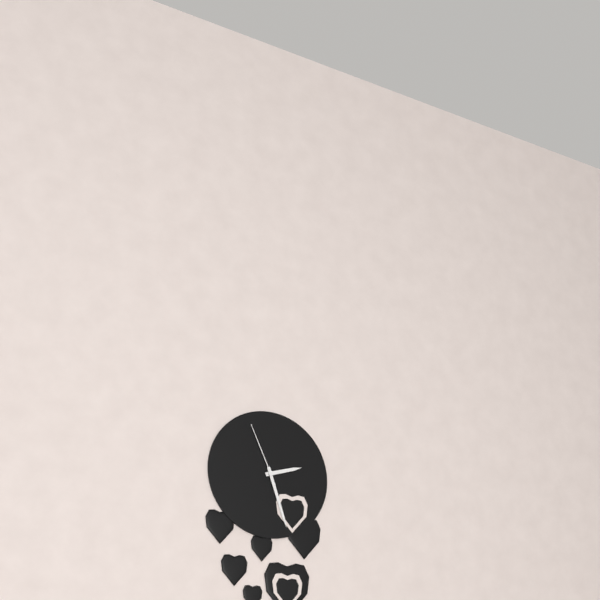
**2:27:56**
